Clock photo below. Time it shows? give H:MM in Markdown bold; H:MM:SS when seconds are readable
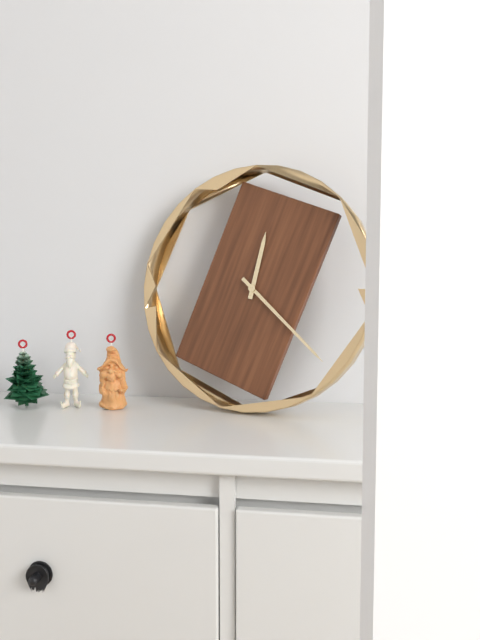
**12:22**
